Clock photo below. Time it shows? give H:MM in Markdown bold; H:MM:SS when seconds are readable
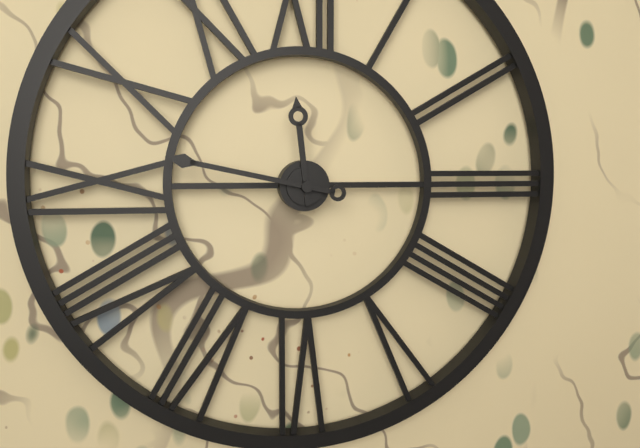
**11:47**
